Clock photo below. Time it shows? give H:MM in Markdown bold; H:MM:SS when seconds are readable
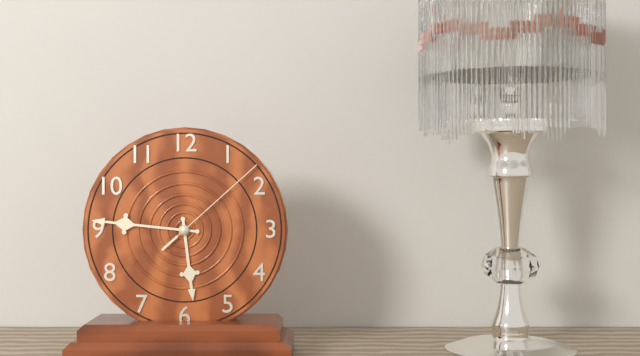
**5:46:08**
